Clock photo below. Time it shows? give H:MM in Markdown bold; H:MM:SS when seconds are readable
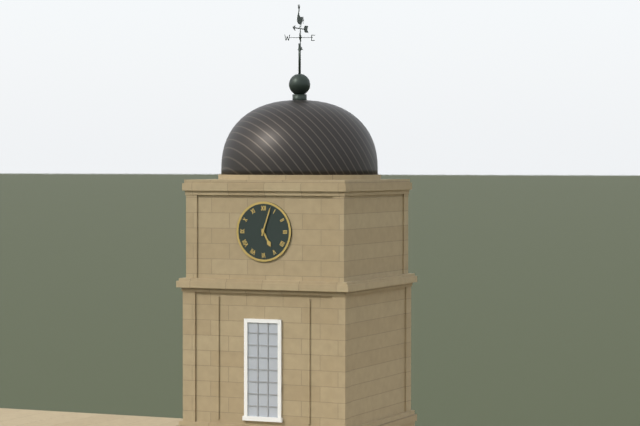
**5:03**
